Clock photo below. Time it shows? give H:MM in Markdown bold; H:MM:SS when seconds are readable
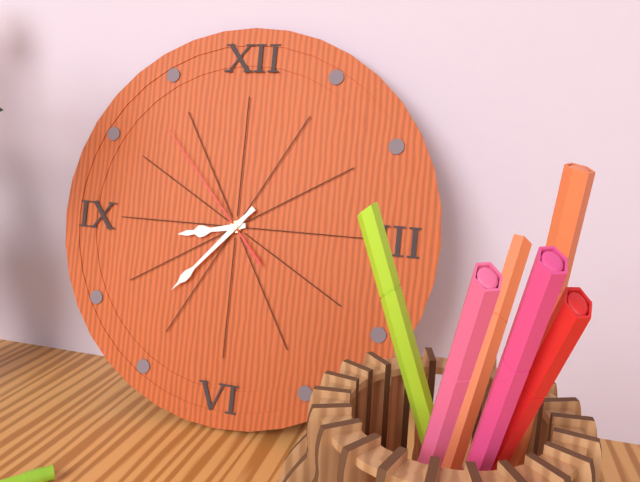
**8:37:53**
